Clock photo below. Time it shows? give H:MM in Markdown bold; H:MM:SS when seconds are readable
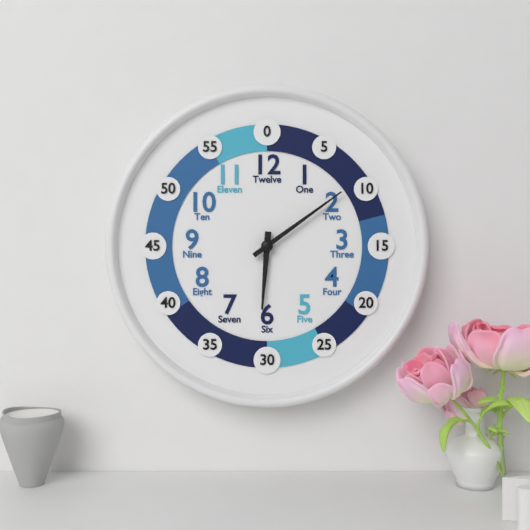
**6:09**
